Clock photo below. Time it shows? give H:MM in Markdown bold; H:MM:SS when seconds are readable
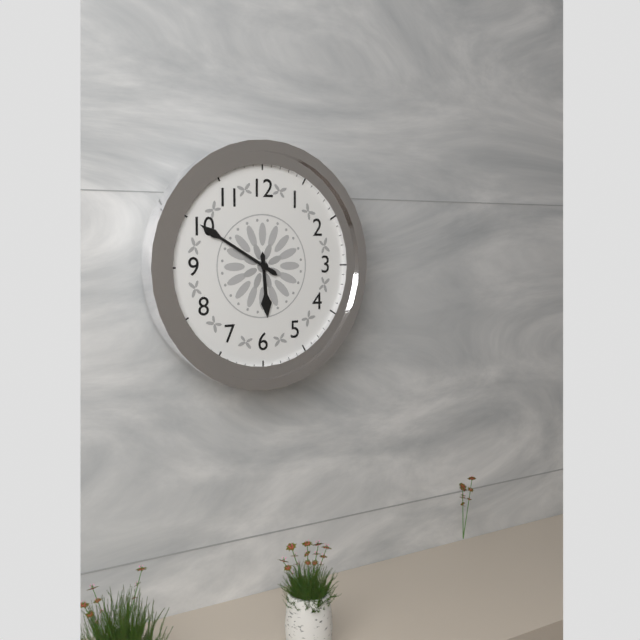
**5:50**
